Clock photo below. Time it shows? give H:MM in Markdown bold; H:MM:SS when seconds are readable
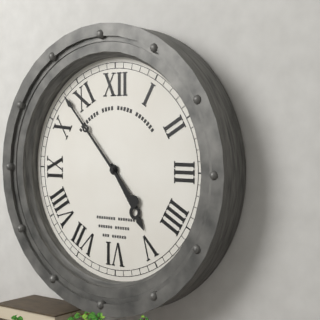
**4:53**
